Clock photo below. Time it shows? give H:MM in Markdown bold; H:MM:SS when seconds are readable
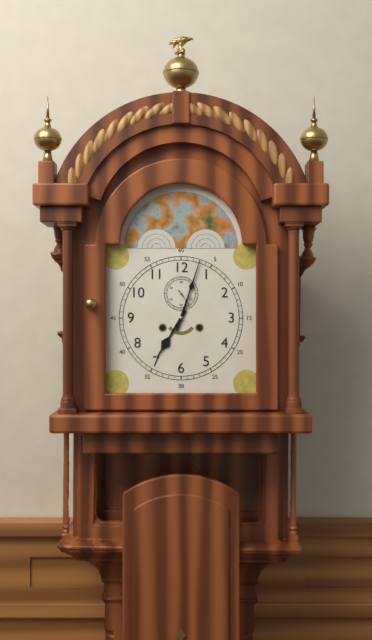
**7:03**
